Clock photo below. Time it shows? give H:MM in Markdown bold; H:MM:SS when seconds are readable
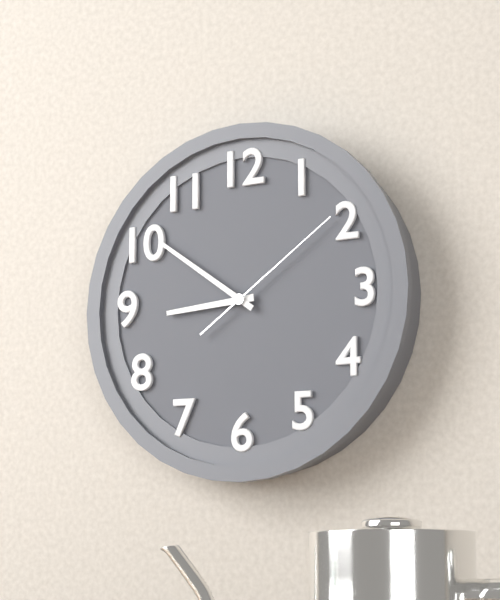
**8:51:09**
